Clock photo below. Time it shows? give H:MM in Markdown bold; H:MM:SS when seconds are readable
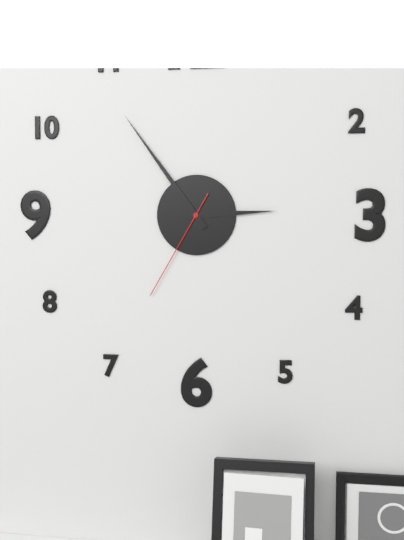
**2:54:35**
